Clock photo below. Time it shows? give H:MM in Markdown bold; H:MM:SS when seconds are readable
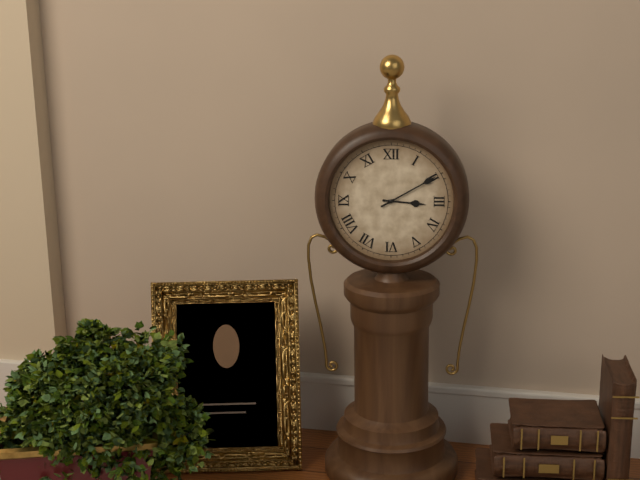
**3:10**
